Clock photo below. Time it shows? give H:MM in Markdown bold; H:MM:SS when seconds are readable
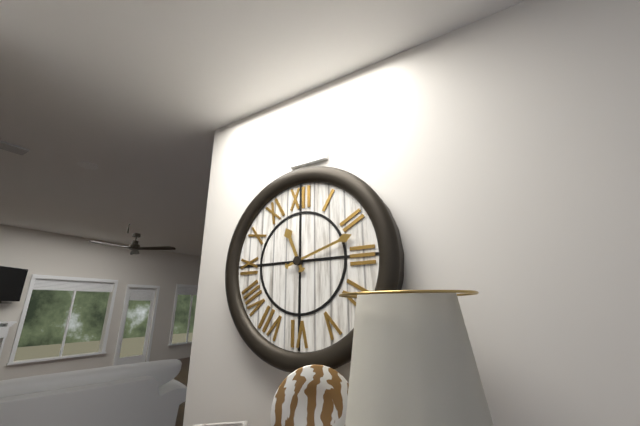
**11:12**
